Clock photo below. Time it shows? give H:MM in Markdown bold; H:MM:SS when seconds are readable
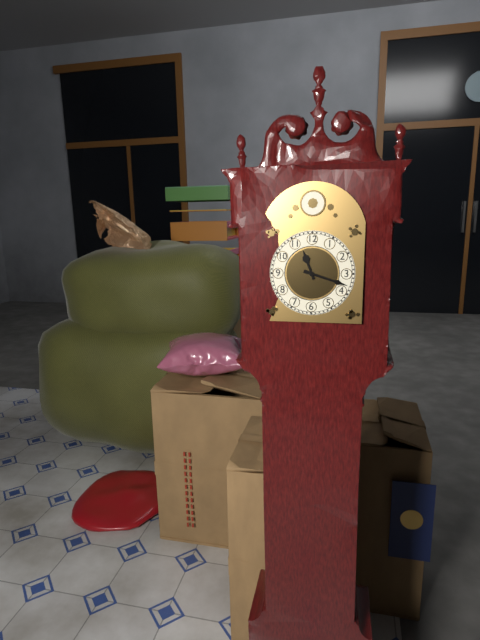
**11:18**
